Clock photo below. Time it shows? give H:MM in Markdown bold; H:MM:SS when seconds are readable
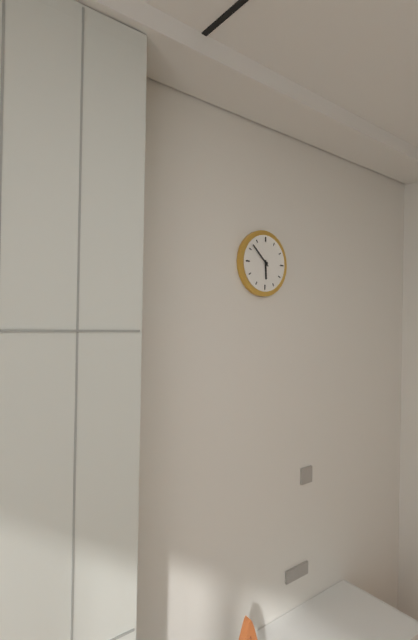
**5:52**
